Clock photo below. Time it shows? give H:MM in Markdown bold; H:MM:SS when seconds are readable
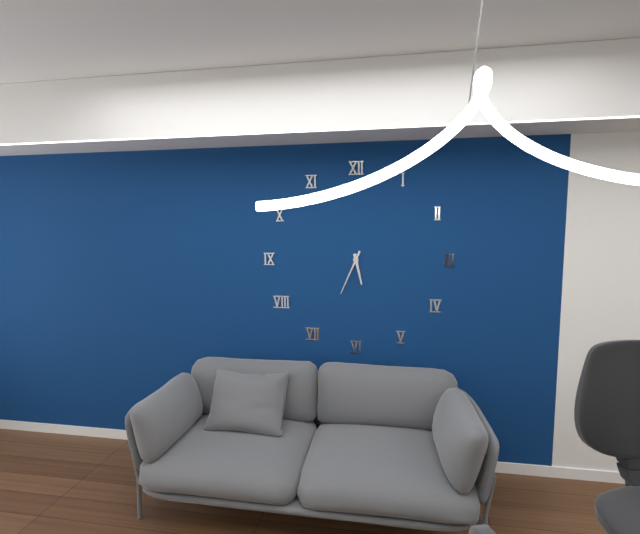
**5:34**
